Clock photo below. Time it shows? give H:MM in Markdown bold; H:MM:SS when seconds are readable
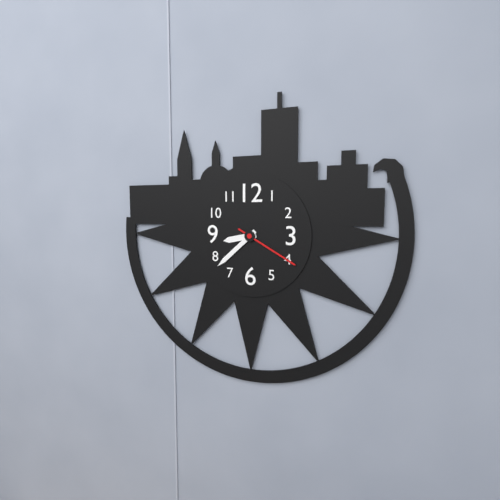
**8:38:20**
